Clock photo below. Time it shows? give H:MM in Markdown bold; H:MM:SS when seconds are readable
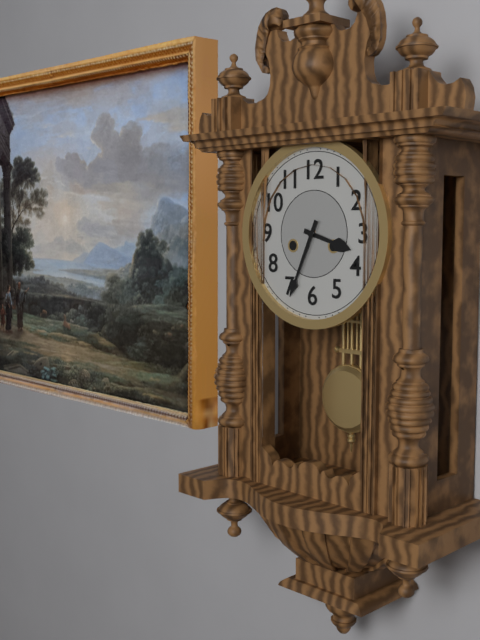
**3:34**
